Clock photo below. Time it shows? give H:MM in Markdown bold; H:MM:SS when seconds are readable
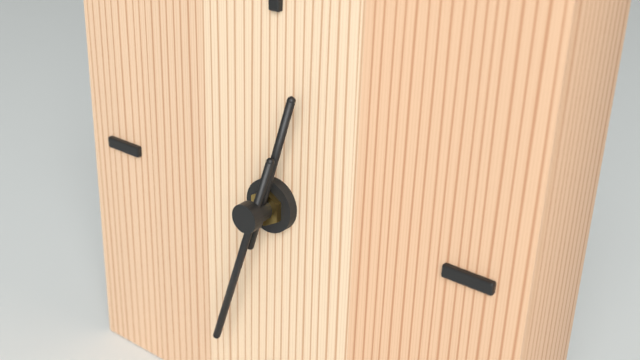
**12:33**
